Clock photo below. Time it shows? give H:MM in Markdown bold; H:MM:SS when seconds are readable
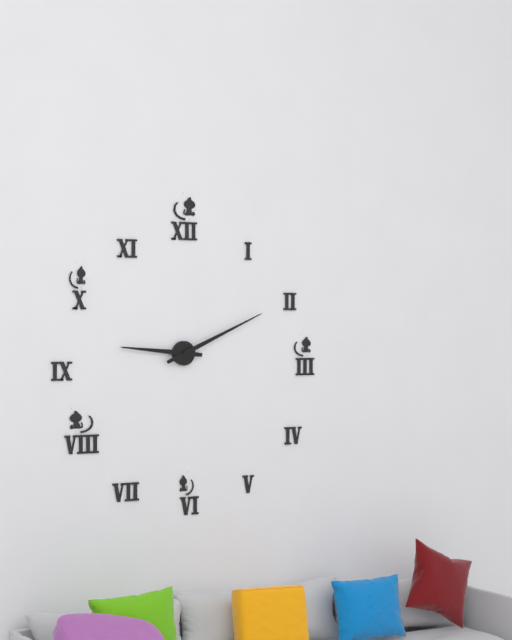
**9:11**
